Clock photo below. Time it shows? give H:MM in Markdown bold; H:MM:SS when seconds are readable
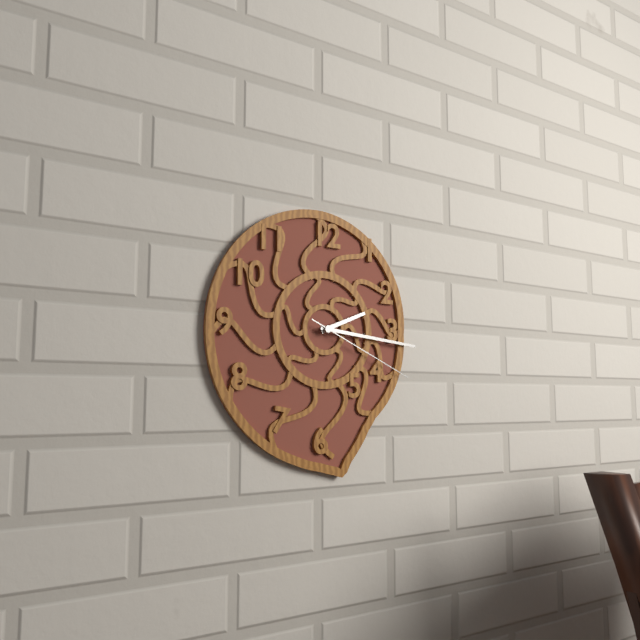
**2:16:19**
